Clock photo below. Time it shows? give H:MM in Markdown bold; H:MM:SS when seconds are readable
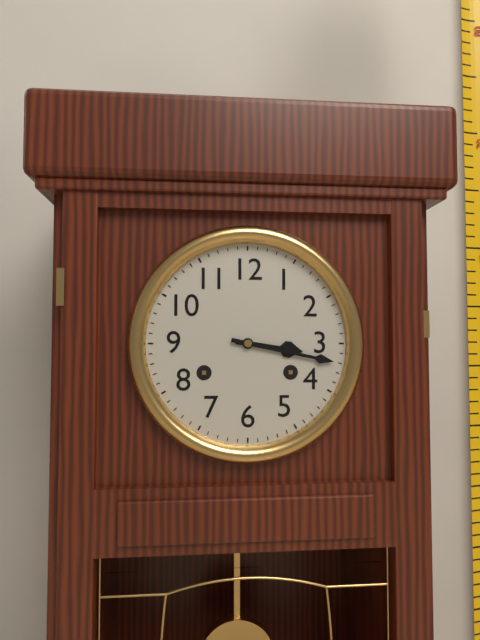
**3:17**
